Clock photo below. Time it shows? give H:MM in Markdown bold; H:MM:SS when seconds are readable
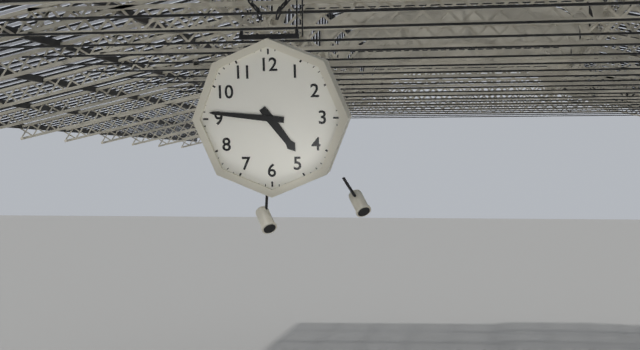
**4:46**
